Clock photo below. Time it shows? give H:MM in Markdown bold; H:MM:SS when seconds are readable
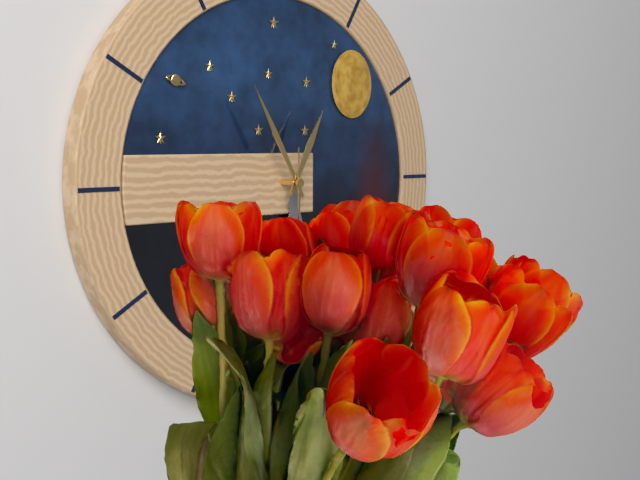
**12:55**
